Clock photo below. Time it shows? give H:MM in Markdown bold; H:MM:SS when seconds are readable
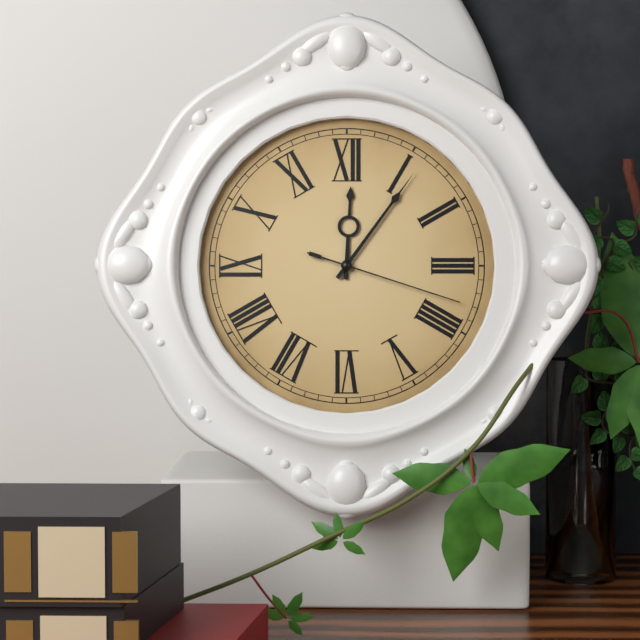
**12:06:18**
